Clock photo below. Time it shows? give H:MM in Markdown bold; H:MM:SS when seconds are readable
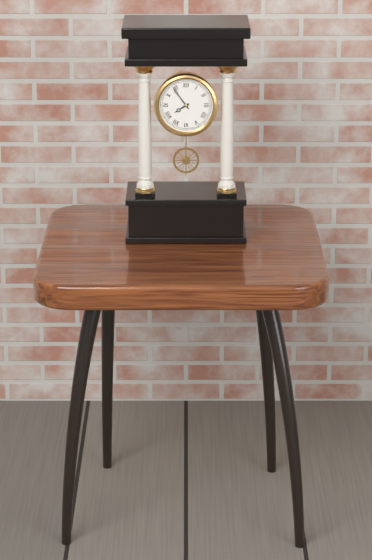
**7:54**
